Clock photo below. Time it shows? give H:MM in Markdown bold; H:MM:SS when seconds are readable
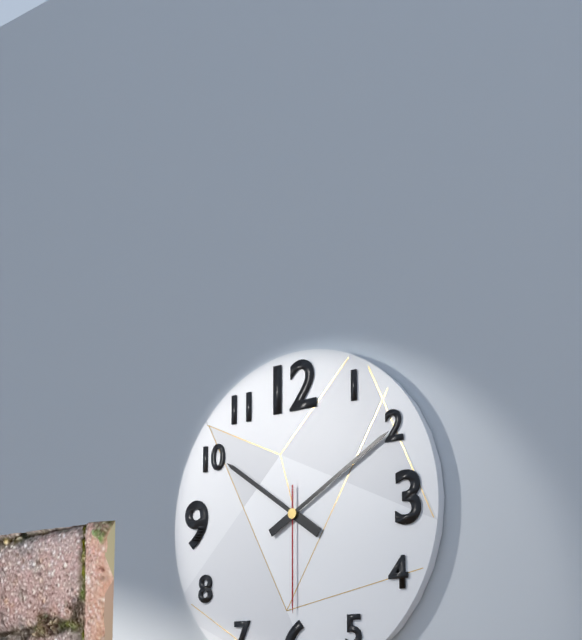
**10:10:30**
